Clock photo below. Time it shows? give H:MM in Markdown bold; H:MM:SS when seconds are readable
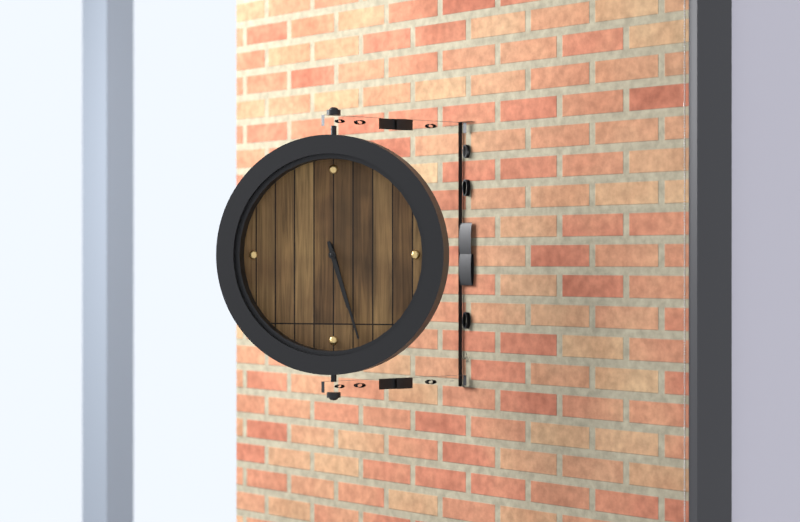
**5:27**
